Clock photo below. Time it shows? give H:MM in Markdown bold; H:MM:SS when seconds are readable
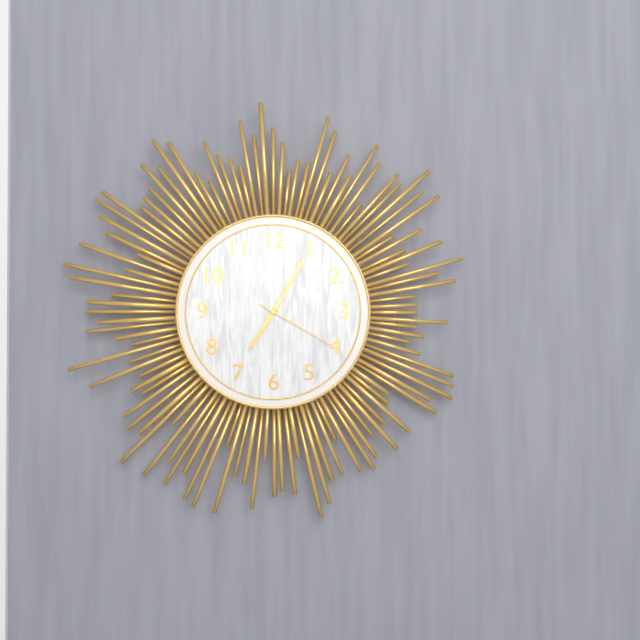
**7:05:20**
